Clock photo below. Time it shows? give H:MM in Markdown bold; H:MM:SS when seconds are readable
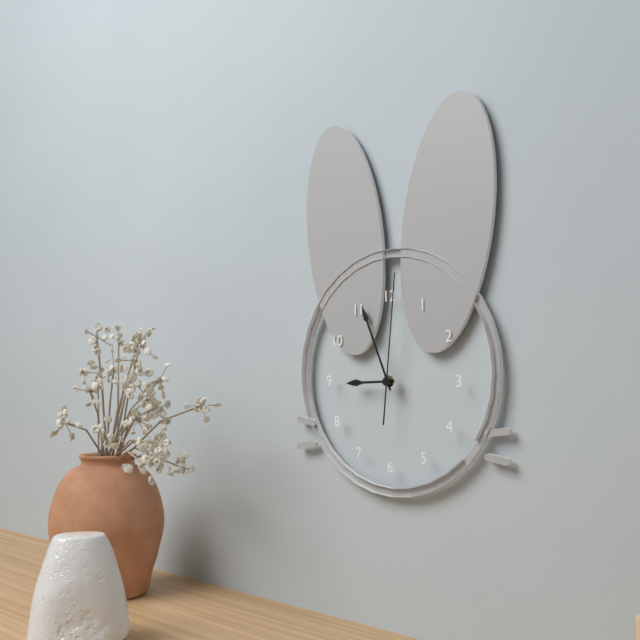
**8:56:01**
